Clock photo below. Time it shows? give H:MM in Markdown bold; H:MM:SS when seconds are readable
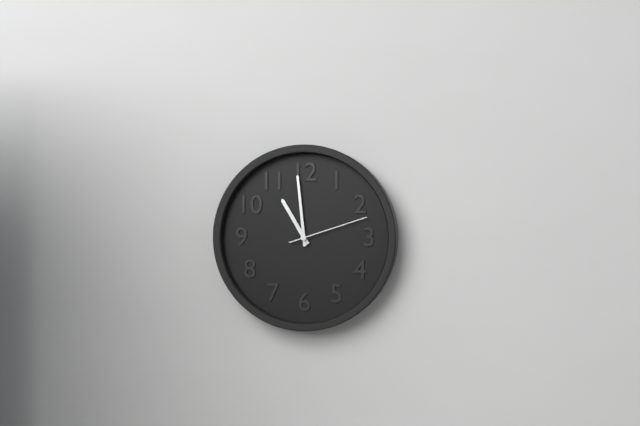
**10:59:12**
